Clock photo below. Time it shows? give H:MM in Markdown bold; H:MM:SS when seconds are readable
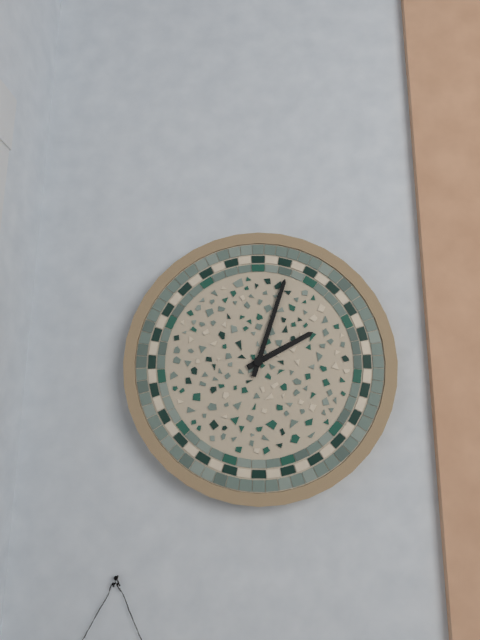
**2:03**
